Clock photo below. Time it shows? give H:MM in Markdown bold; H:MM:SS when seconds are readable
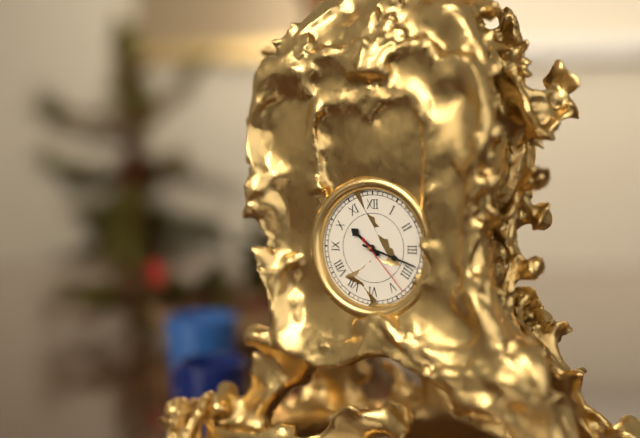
**10:18:23**
